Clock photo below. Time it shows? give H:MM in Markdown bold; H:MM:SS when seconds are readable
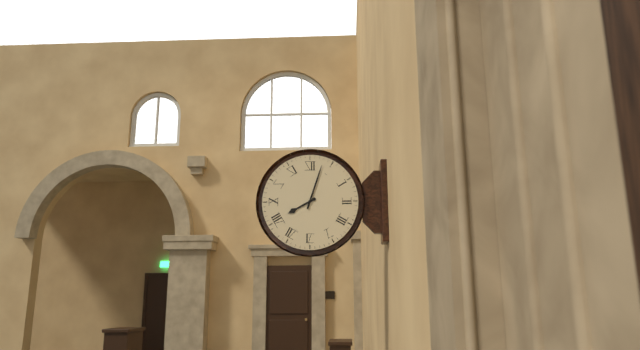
**8:03**
